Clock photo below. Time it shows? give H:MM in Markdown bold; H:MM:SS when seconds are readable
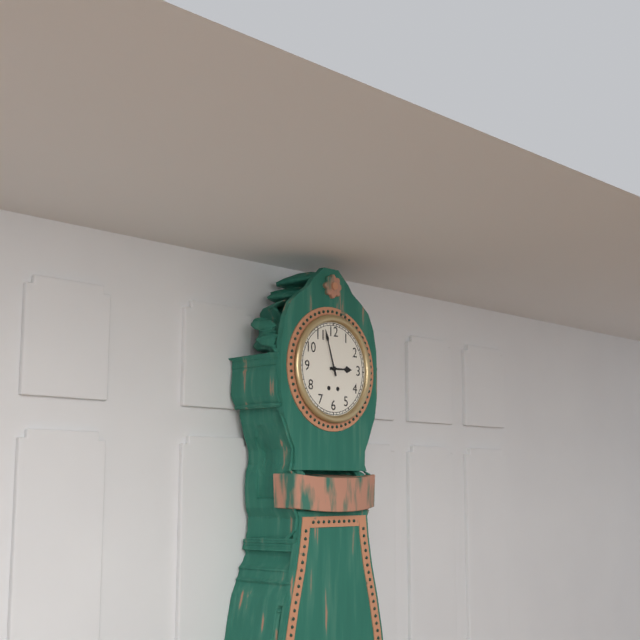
**2:57**
